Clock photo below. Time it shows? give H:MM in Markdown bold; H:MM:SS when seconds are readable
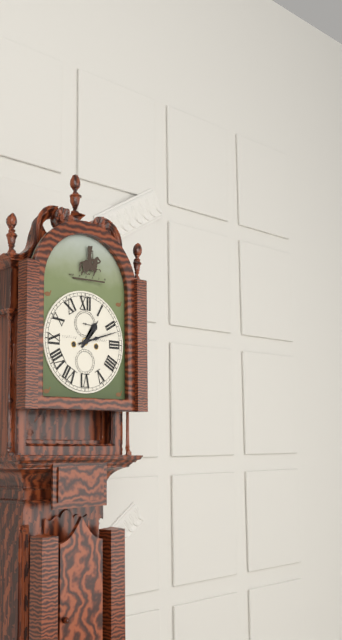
**1:12**
